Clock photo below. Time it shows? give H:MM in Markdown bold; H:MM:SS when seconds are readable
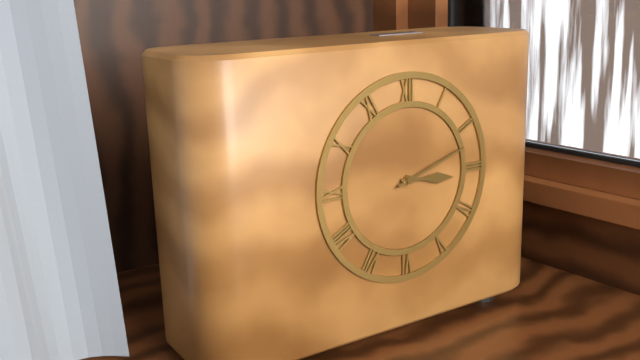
**3:12**
